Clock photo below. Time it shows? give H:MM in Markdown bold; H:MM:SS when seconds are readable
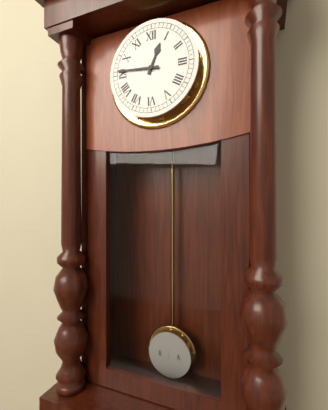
**12:46**
